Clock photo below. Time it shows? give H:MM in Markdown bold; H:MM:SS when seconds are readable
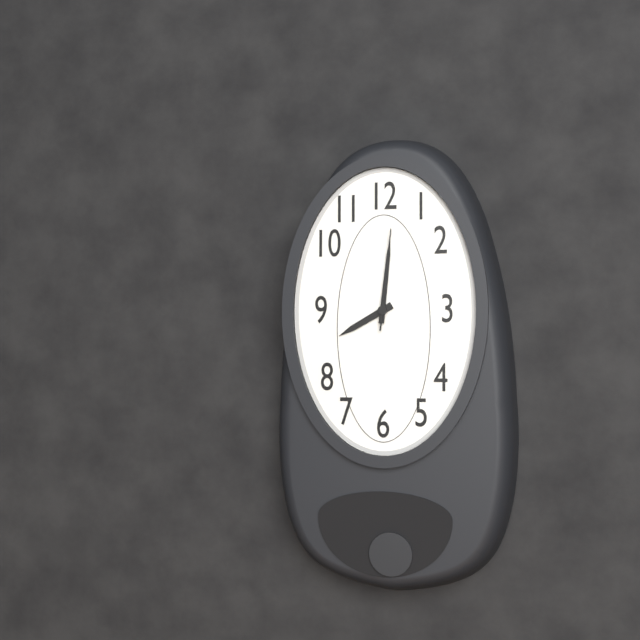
**8:01:01**
